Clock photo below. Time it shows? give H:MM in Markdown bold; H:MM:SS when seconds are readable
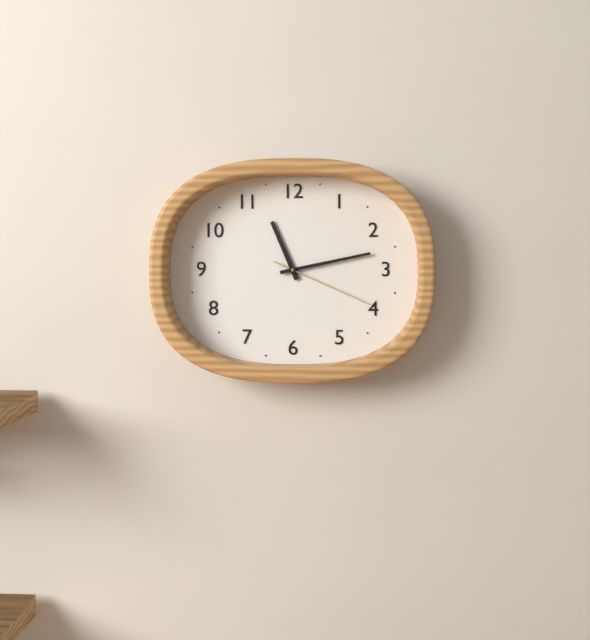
**11:13:19**
